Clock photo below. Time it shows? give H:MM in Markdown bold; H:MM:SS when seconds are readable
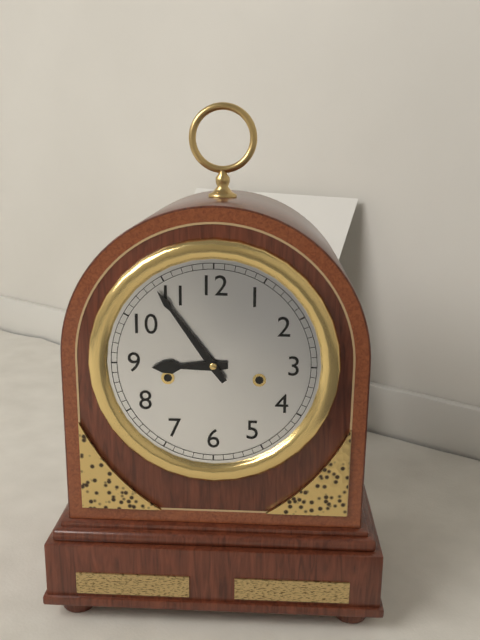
**8:54**
